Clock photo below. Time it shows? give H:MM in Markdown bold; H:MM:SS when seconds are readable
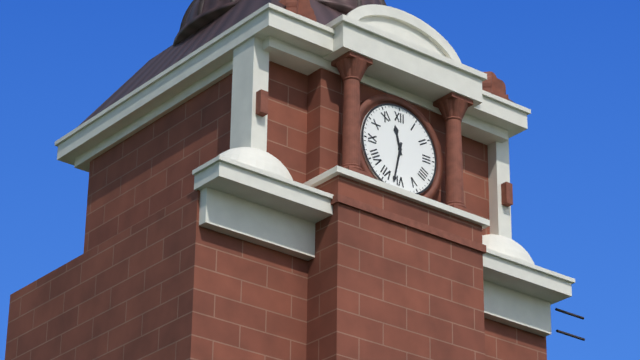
**11:32**
